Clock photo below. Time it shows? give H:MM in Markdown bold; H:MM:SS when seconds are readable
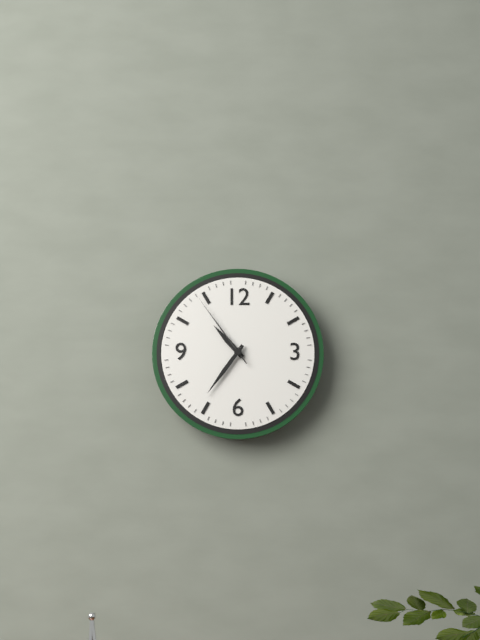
**10:36:54**
